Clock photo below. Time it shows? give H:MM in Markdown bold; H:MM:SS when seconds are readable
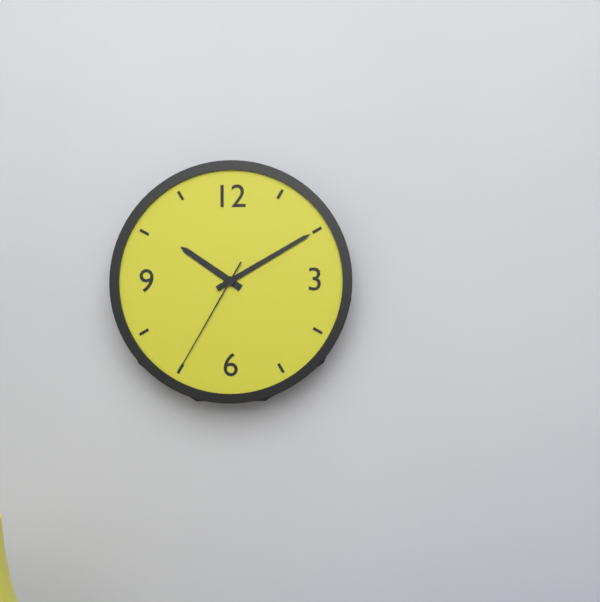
**10:10:35**
